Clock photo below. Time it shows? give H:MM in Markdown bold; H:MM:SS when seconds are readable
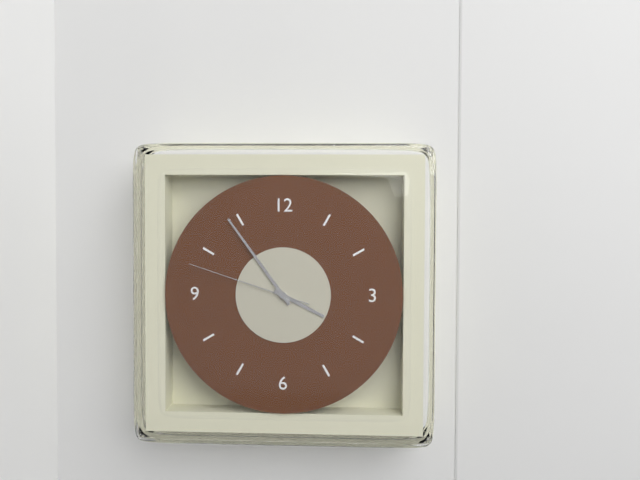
**3:54:48**
